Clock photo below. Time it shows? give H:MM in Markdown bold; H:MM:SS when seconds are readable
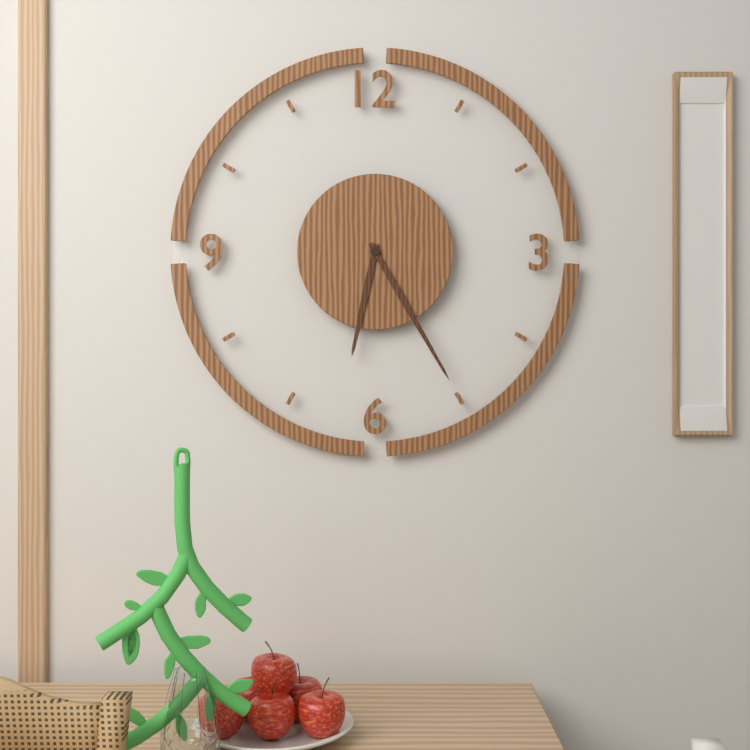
**6:25**
